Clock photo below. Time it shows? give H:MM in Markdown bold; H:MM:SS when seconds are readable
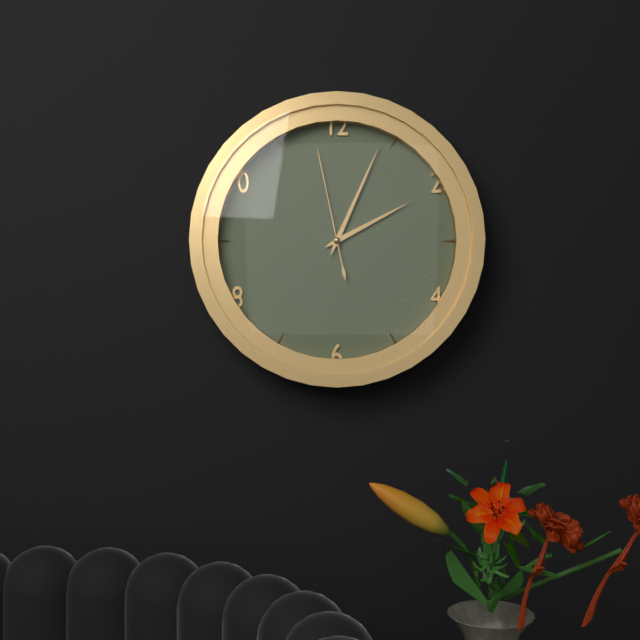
**2:04:58**
